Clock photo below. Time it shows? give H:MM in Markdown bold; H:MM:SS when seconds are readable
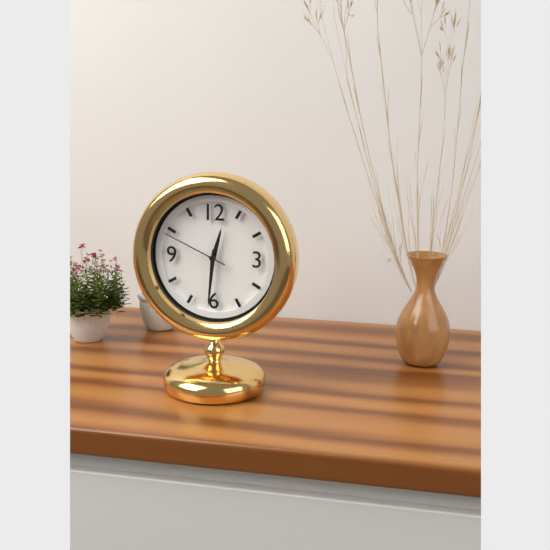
**12:31:49**
